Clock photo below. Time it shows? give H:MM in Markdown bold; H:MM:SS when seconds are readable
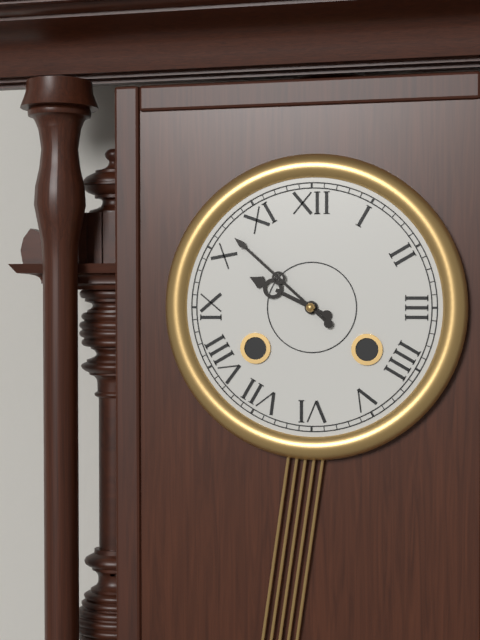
**9:52**
